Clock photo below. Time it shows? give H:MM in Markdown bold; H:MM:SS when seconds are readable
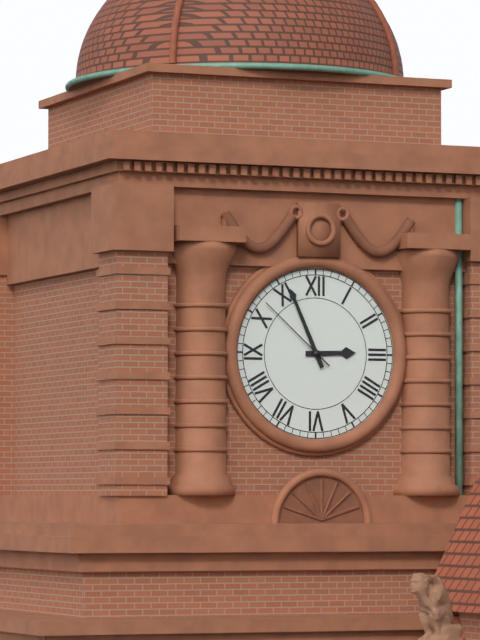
**2:56:52**
